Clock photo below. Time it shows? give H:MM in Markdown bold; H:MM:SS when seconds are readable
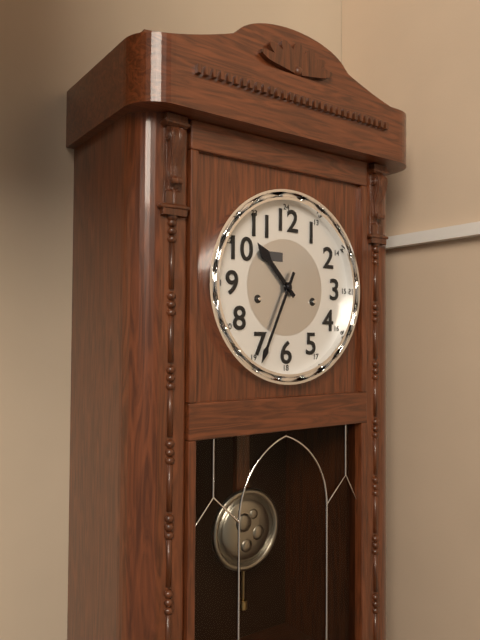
**10:34**
